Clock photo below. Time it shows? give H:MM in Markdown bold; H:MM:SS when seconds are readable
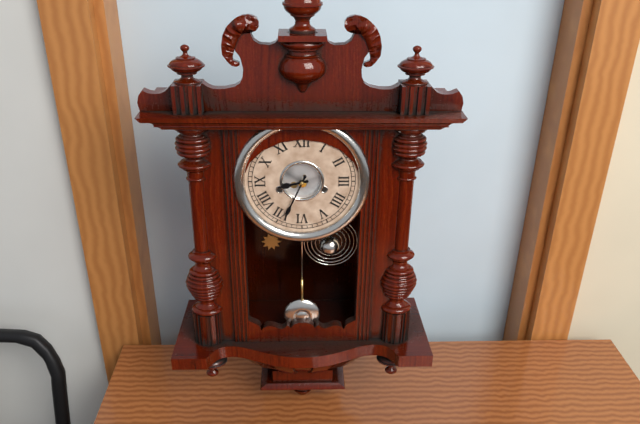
**8:34**
